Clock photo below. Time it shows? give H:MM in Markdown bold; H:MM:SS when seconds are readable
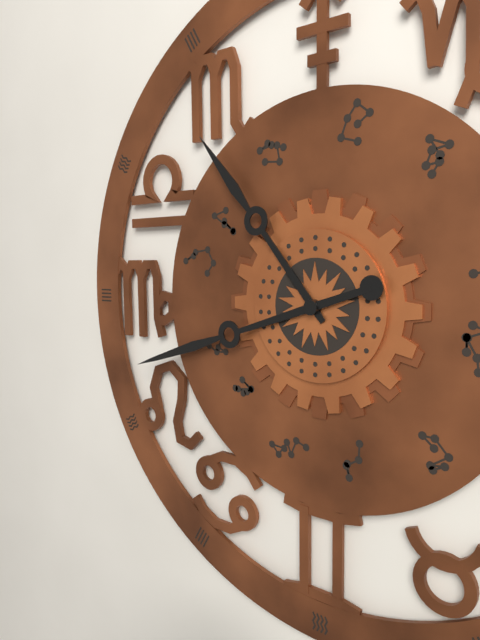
**10:42**
